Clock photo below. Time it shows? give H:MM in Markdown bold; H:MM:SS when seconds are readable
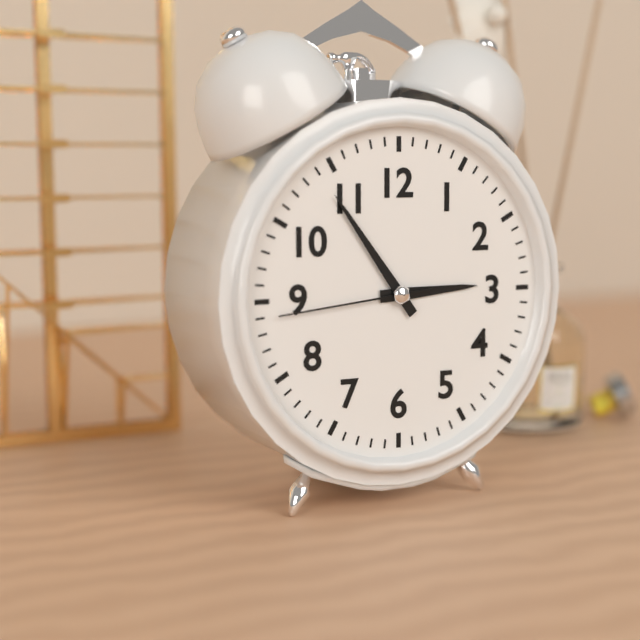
**2:54:44**
